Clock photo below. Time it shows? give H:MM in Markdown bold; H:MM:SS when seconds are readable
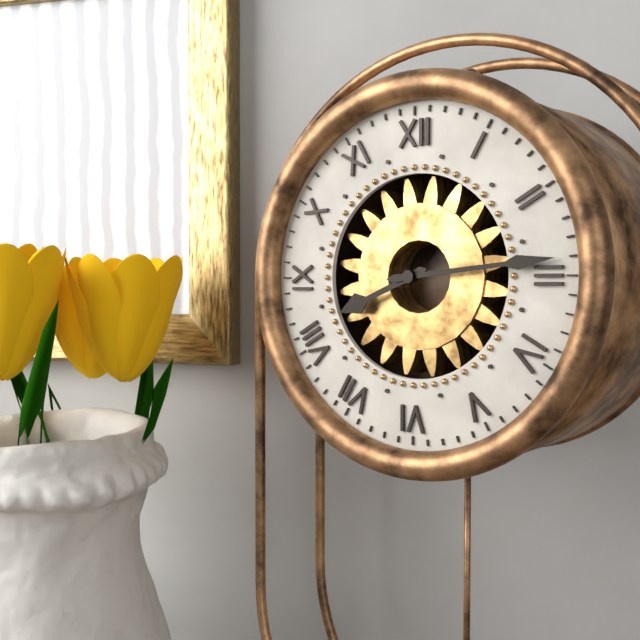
**8:14**
